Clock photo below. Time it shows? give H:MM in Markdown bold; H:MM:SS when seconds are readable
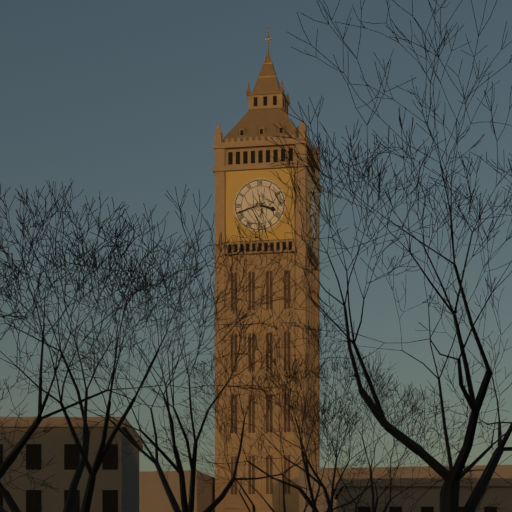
**3:42**
